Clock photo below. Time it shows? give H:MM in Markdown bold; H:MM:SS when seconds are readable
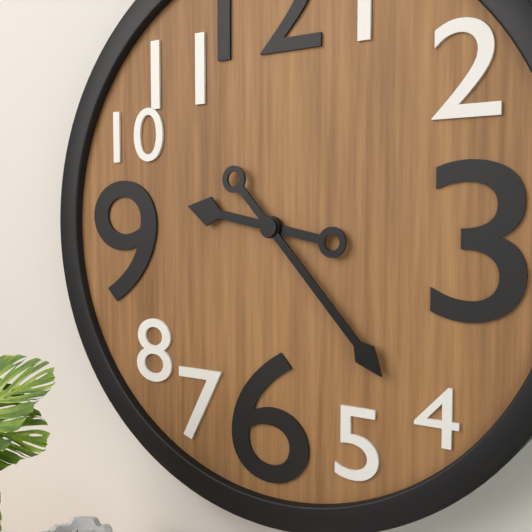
**9:23**
